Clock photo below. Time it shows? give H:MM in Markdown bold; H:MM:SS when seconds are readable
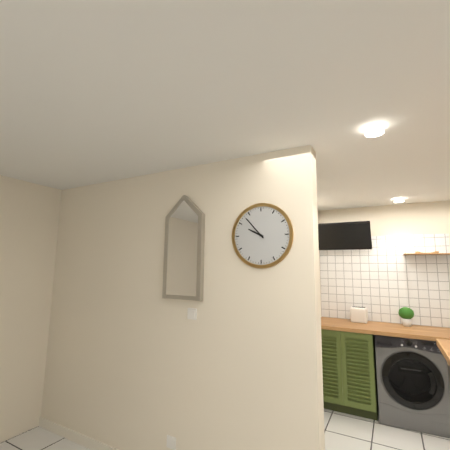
**9:53**
